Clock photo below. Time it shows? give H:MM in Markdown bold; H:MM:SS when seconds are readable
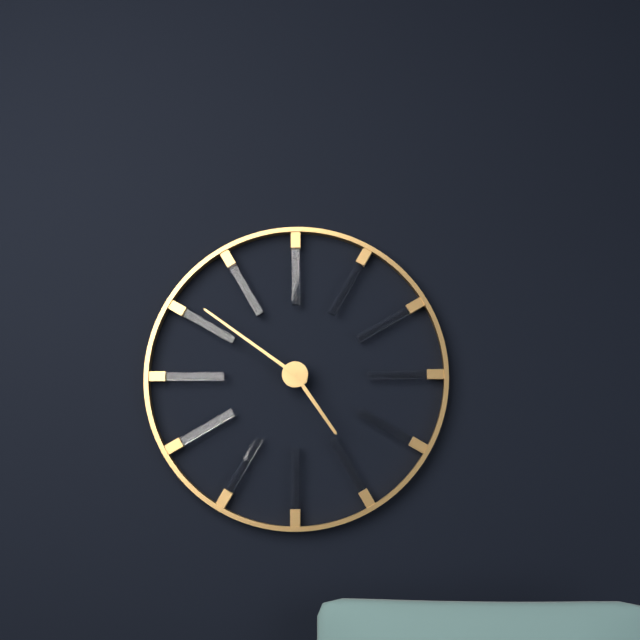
**4:51**
